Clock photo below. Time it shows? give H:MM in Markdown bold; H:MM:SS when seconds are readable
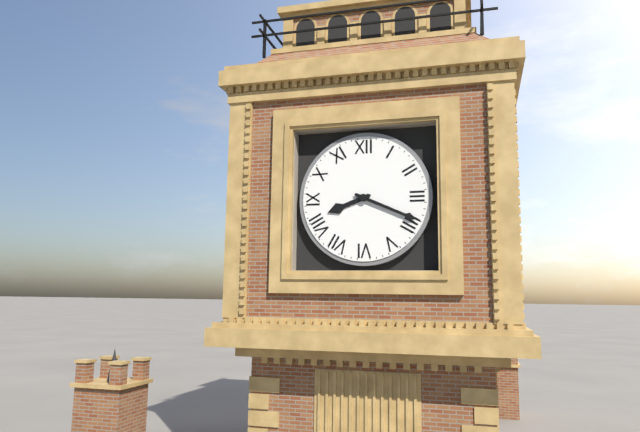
**8:19**
